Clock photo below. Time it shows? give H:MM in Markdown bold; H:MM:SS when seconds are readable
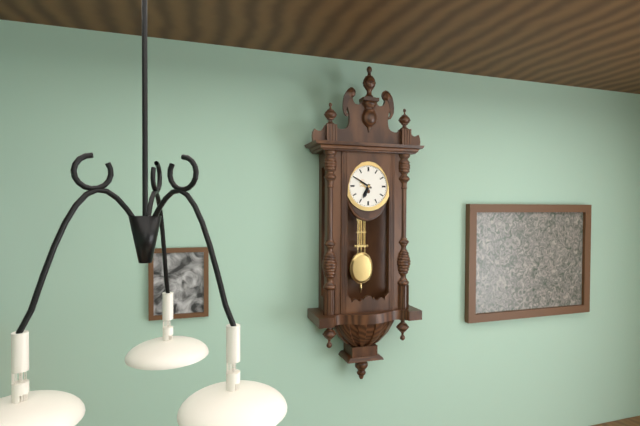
**6:50**
